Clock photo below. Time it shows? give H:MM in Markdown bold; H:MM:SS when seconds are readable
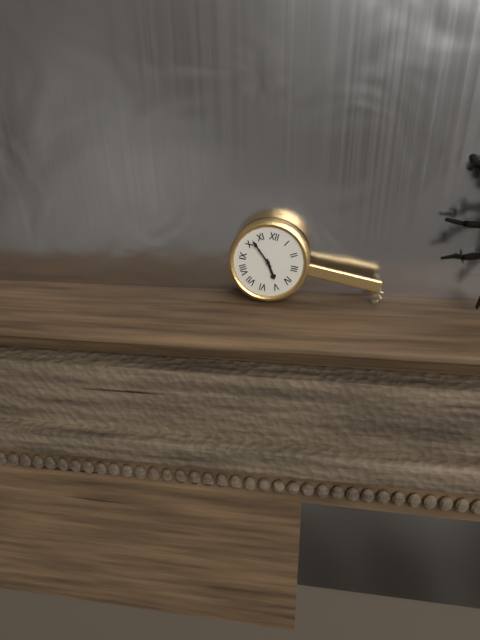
**4:52**
